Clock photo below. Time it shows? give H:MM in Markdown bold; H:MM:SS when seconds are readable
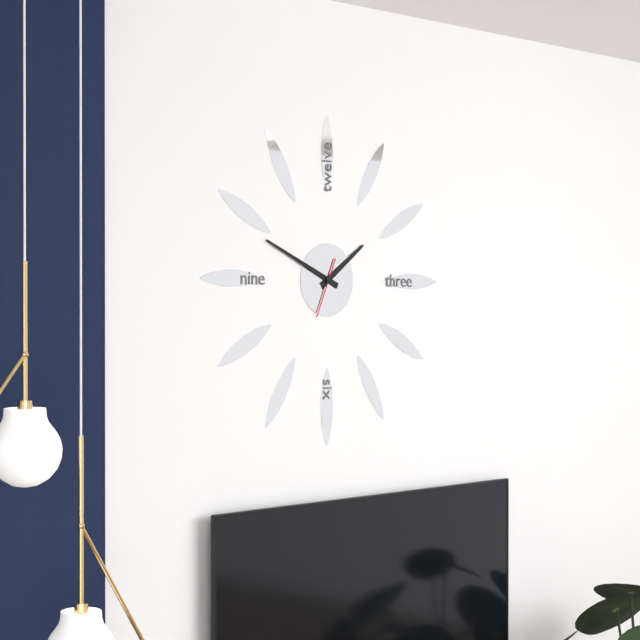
**1:49**
